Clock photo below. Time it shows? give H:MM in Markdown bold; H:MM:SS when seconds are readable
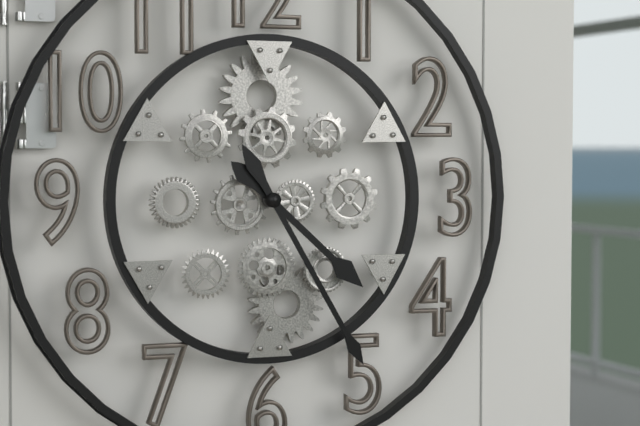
**4:25**
